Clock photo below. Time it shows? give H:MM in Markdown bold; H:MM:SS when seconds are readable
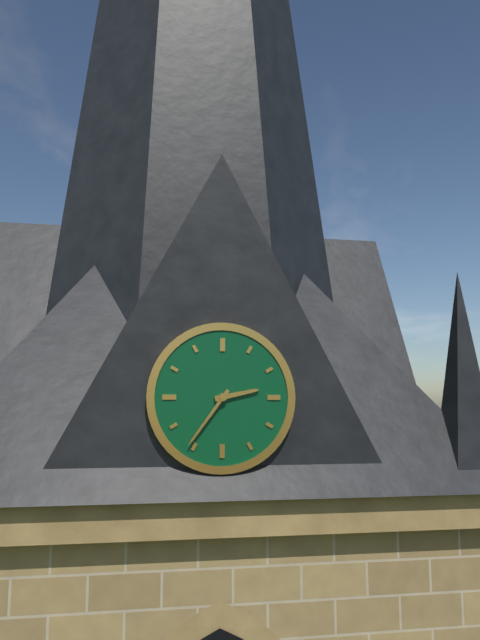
**2:36**
